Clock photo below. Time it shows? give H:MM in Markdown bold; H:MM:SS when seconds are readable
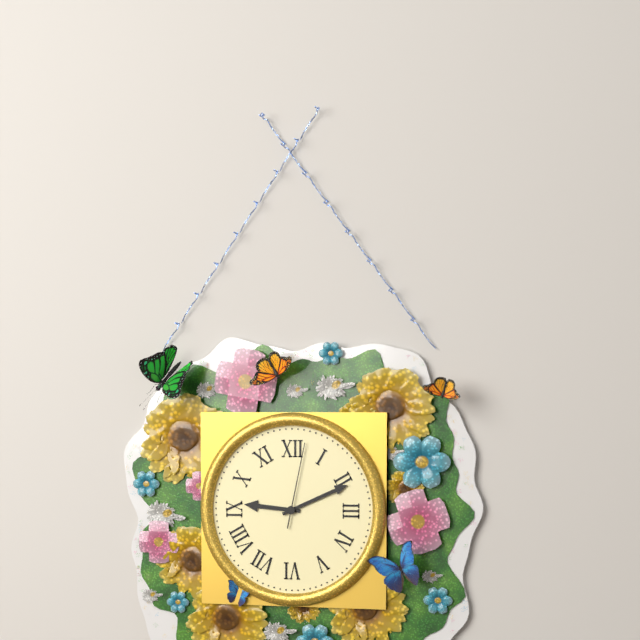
**9:11:02**
